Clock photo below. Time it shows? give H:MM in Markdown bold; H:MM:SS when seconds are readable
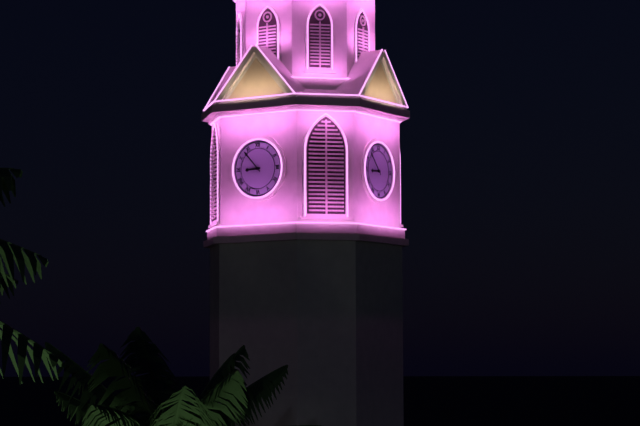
**8:53**
